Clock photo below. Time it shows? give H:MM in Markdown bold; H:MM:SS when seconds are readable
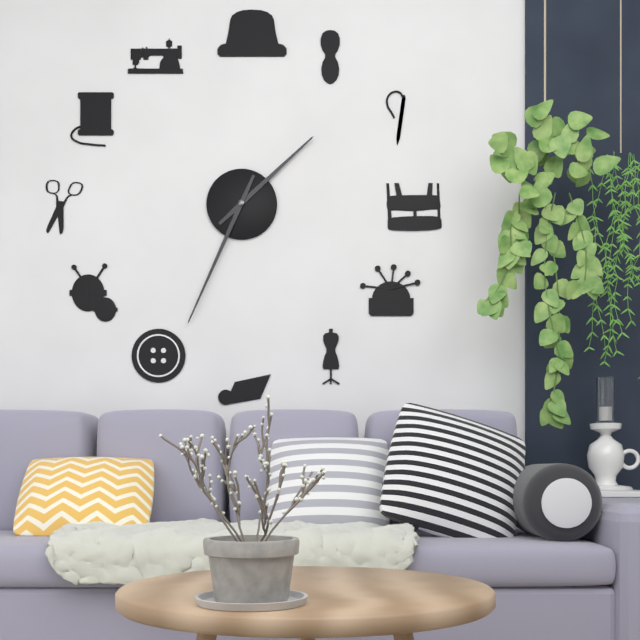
**1:34**
